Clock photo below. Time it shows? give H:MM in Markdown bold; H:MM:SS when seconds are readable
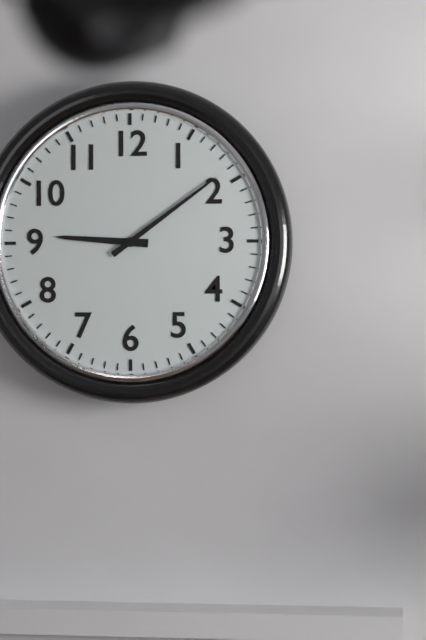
**9:09**
